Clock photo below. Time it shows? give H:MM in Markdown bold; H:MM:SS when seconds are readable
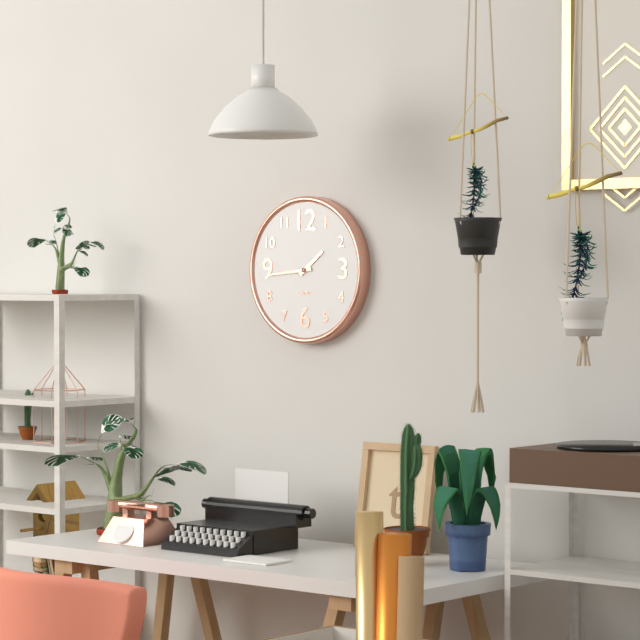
**1:44**
